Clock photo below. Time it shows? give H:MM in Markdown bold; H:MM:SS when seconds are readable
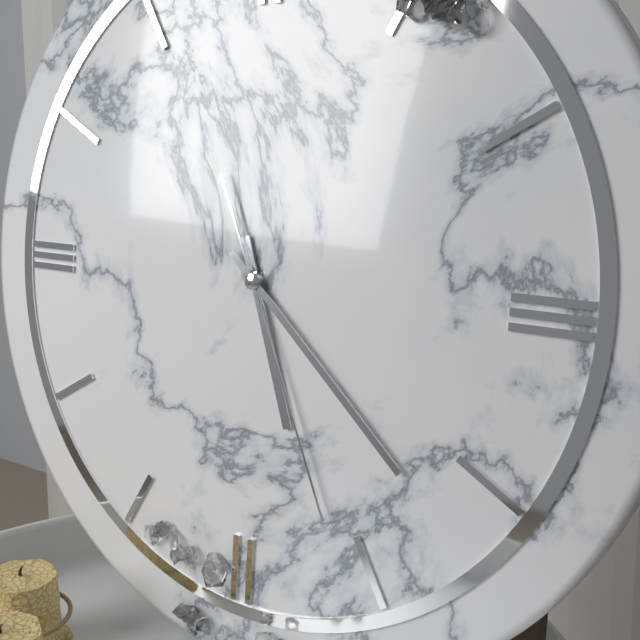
**5:22:26**
